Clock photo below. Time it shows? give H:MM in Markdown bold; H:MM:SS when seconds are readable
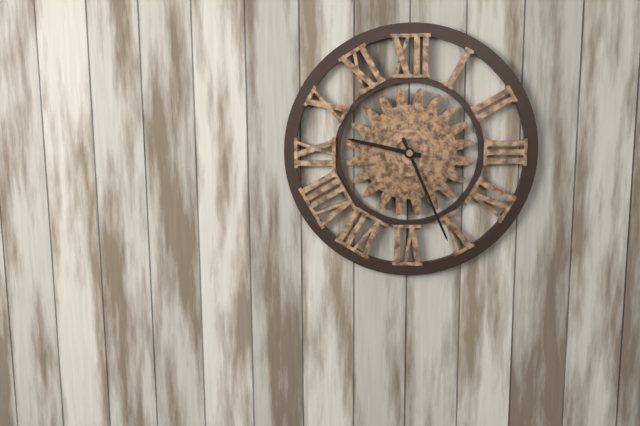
**9:26**
